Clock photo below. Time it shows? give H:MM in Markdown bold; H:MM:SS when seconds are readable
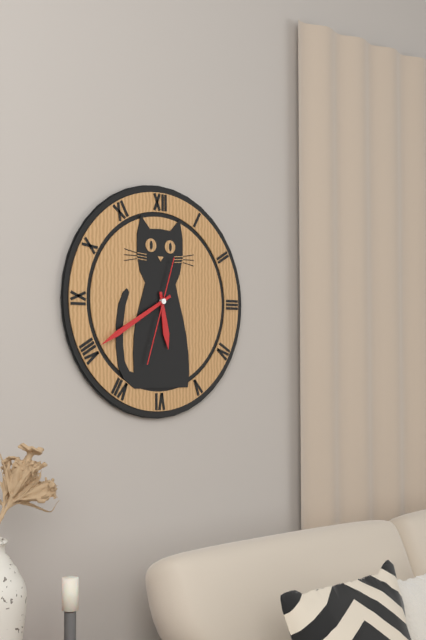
**5:40:33**
